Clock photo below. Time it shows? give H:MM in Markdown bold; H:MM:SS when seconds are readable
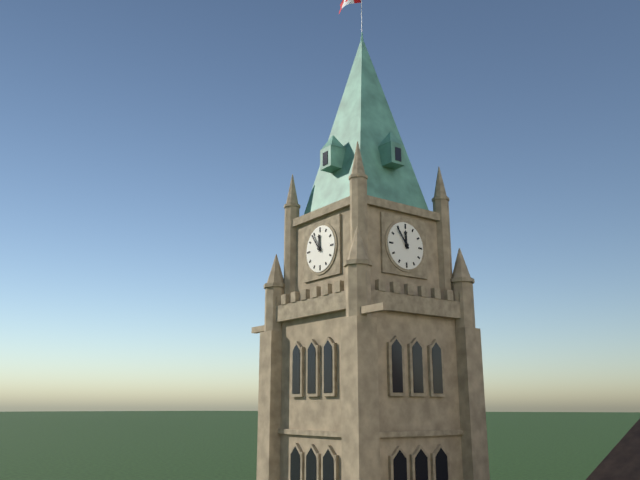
**11:54**
